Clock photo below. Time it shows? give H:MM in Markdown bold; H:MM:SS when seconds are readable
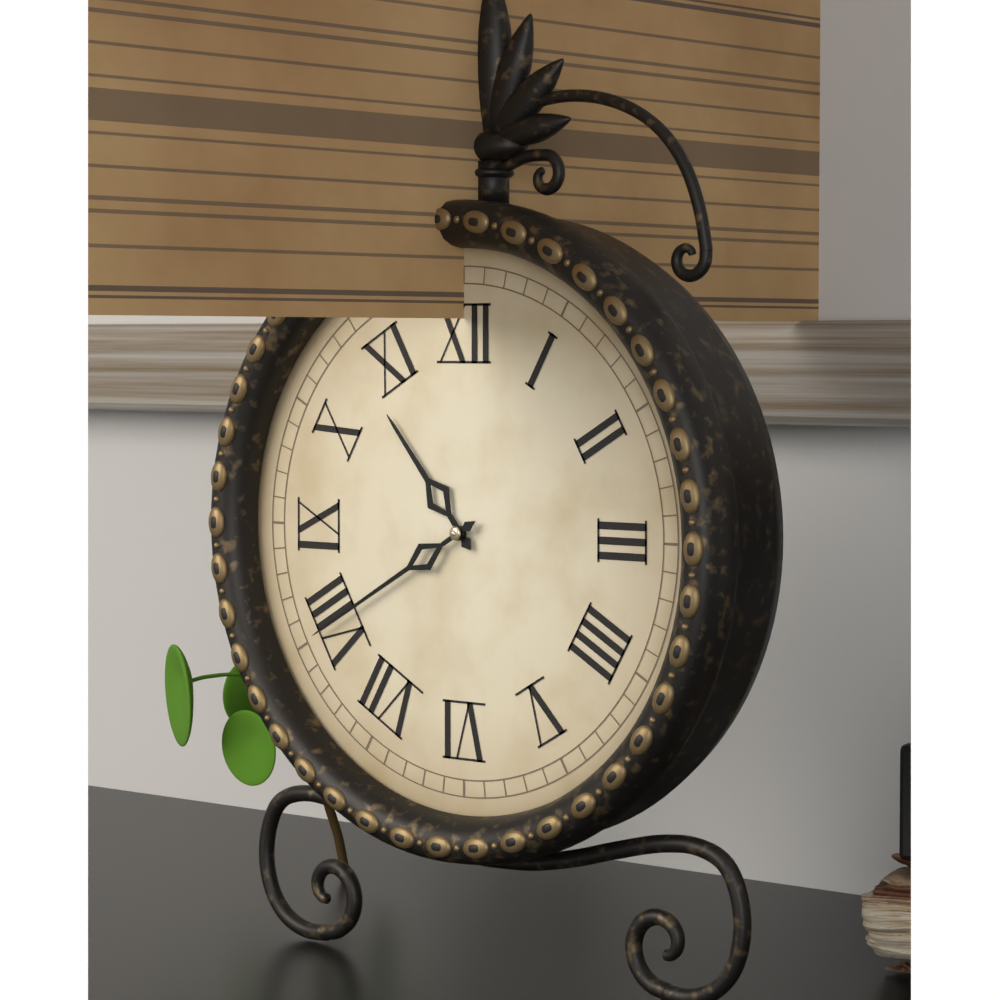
**10:40**
